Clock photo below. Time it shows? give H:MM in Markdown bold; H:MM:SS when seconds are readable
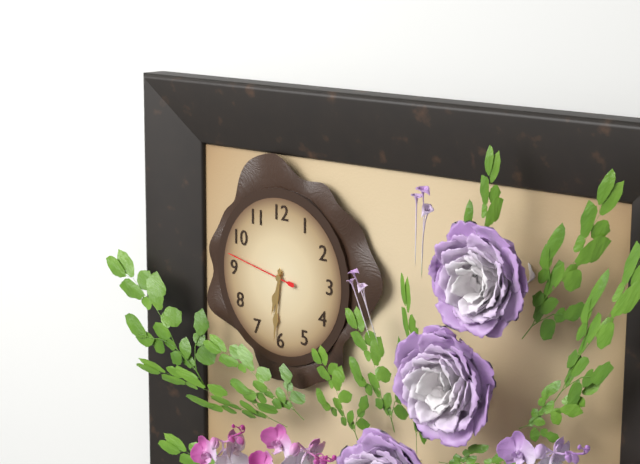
**6:31:47**
